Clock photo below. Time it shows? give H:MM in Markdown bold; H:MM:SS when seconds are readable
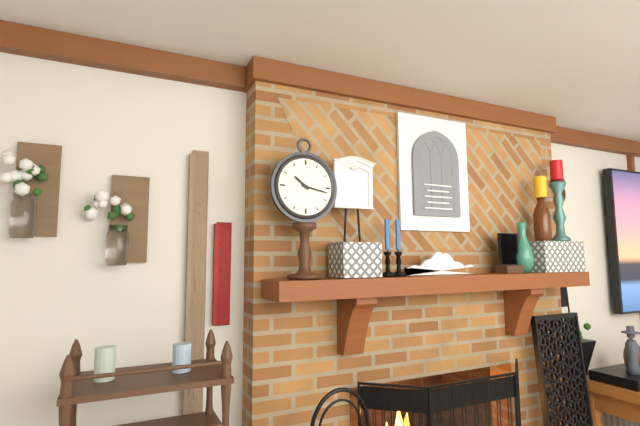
**10:17**
